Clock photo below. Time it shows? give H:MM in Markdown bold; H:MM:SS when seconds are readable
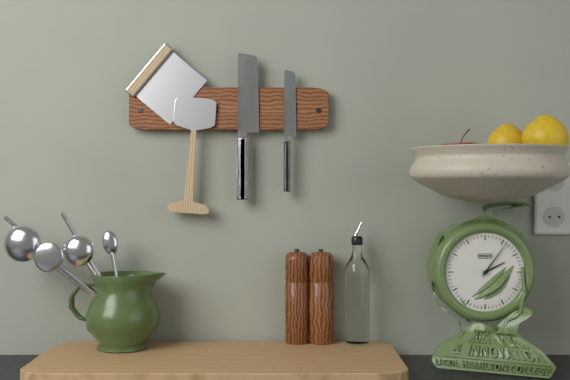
**2:06**
